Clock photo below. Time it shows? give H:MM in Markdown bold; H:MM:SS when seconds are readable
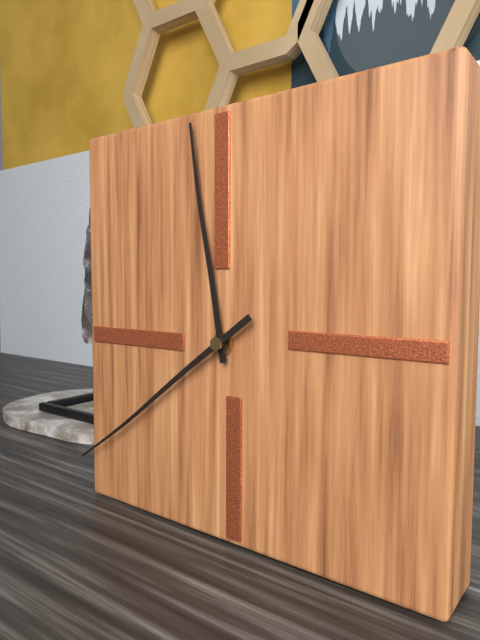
**11:39**
